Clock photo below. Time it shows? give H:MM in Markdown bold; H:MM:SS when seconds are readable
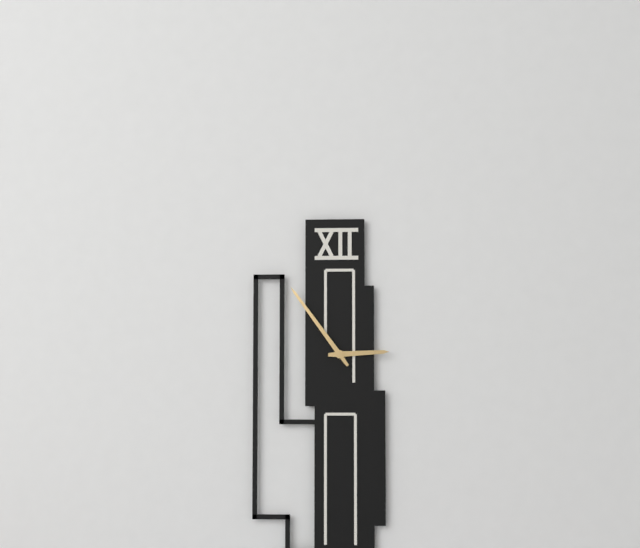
**2:54**
